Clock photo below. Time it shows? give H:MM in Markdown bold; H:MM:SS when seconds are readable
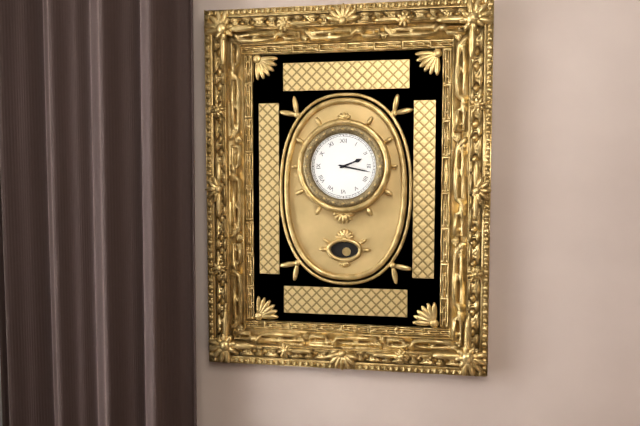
**2:17**
